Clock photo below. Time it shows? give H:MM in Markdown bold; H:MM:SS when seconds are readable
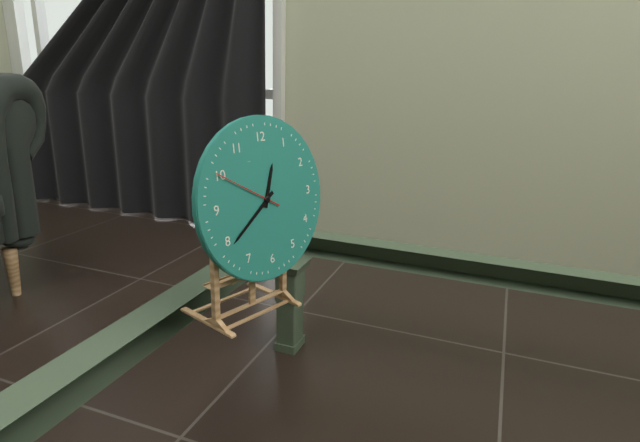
**12:39:50**
